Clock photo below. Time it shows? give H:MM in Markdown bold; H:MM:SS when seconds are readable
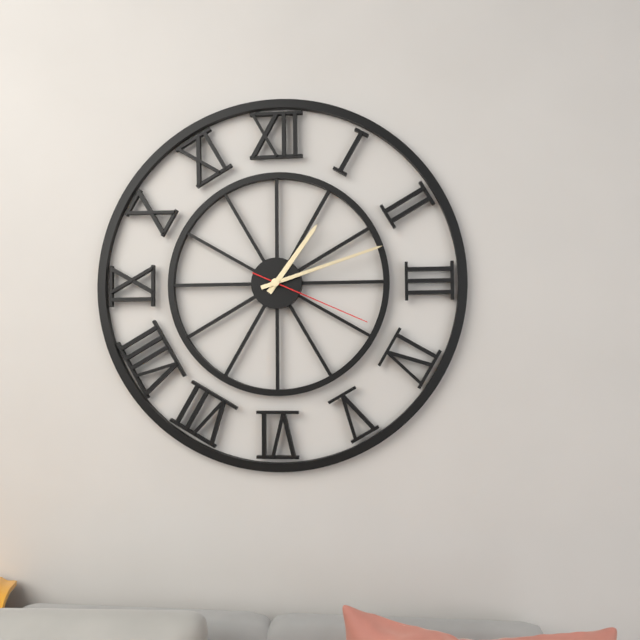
**1:12:19**
